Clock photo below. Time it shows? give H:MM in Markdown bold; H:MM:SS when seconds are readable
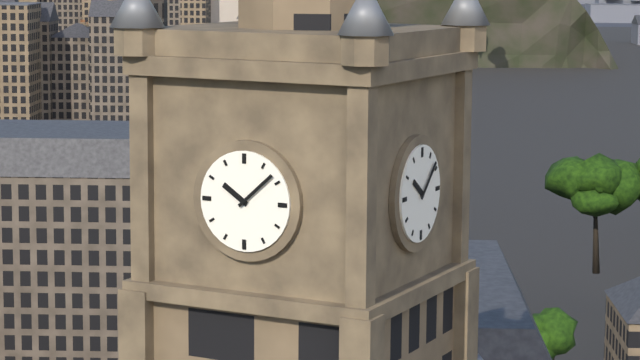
**10:08**
